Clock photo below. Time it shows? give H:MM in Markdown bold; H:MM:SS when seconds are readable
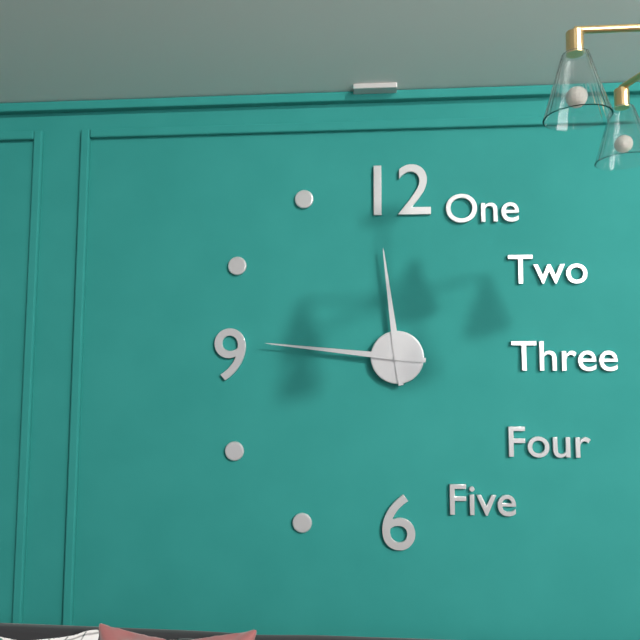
**11:46**
